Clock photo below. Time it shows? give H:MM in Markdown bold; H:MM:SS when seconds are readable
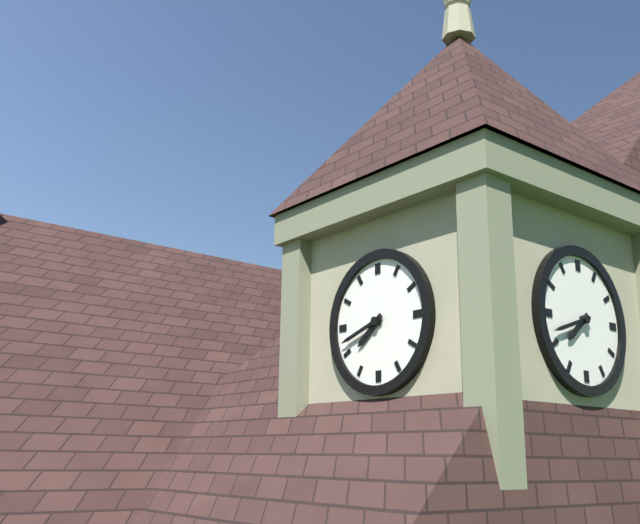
**7:42**
